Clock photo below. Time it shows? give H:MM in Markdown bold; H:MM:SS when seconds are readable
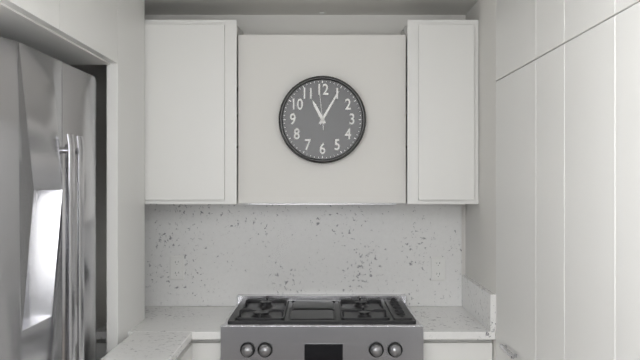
**11:05**
